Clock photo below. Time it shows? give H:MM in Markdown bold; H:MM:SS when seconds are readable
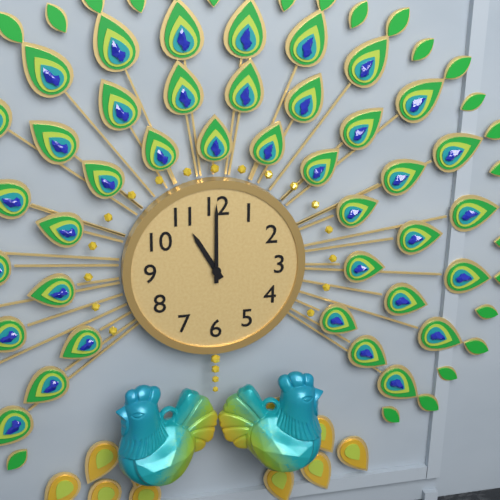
**11:00**
